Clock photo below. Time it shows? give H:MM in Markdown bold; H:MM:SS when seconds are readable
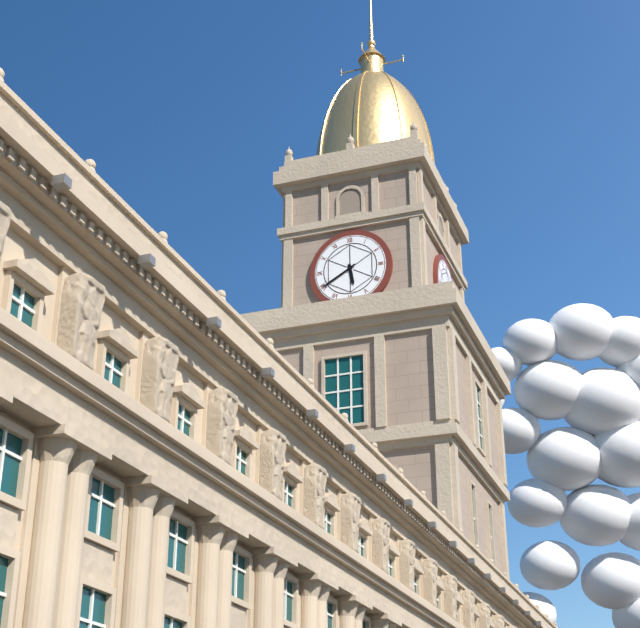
**5:40**
